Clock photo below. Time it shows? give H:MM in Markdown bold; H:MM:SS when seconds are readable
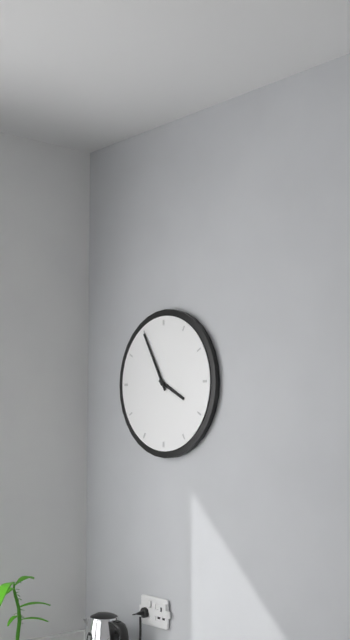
**3:55**
